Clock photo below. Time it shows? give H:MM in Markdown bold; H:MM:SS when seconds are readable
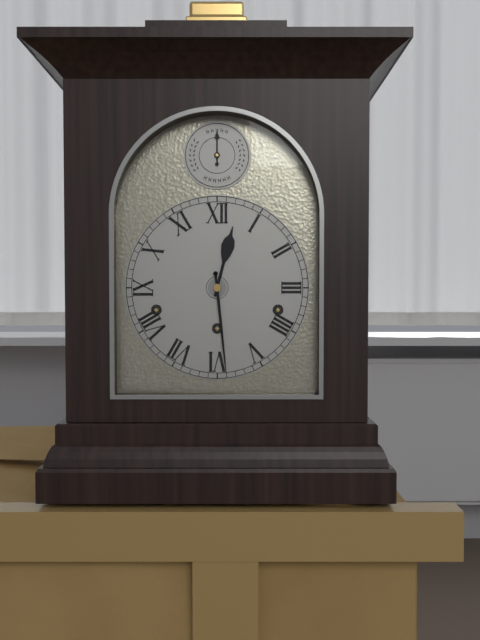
**12:29**
